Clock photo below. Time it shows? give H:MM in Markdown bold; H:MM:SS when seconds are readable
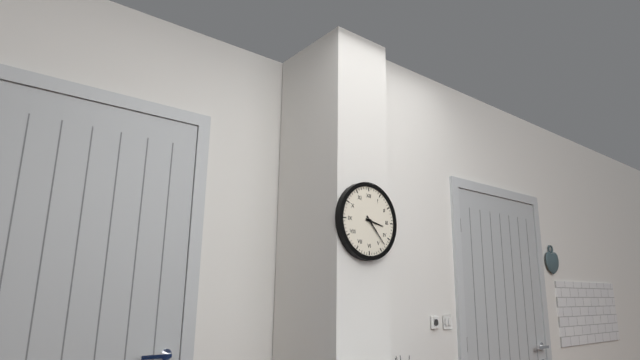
**3:23**
